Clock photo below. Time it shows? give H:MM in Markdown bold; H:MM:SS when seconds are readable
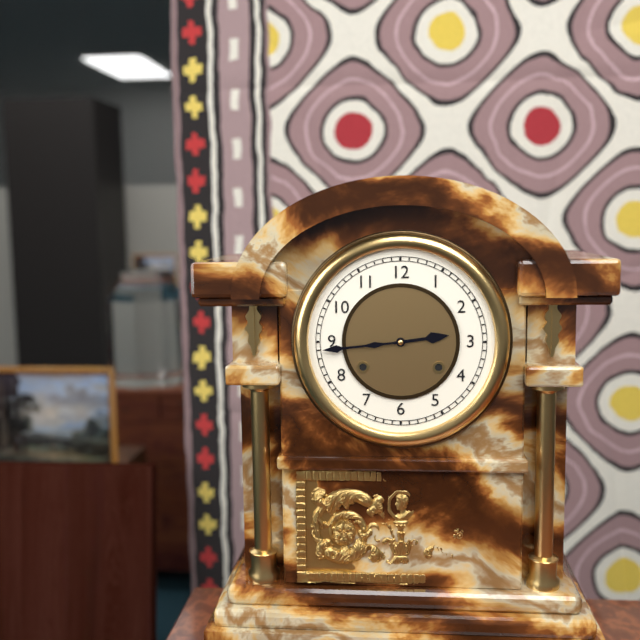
**2:44**
